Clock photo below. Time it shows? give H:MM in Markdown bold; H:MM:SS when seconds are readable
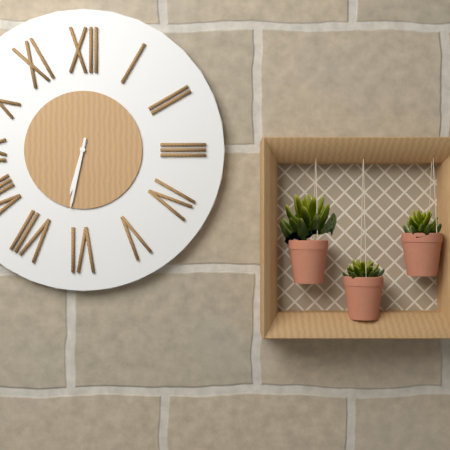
**6:32**
